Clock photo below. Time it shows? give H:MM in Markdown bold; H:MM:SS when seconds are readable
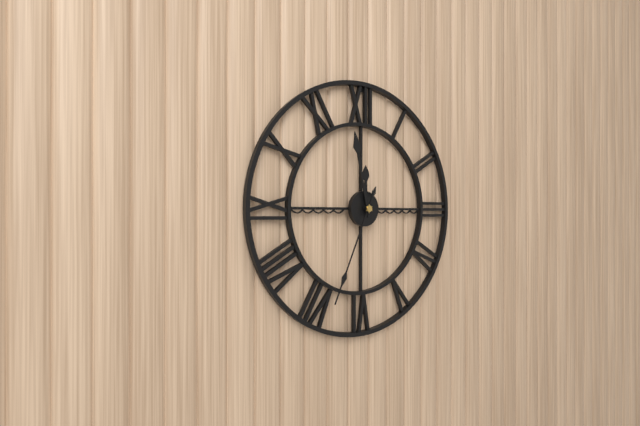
**11:58:34**
